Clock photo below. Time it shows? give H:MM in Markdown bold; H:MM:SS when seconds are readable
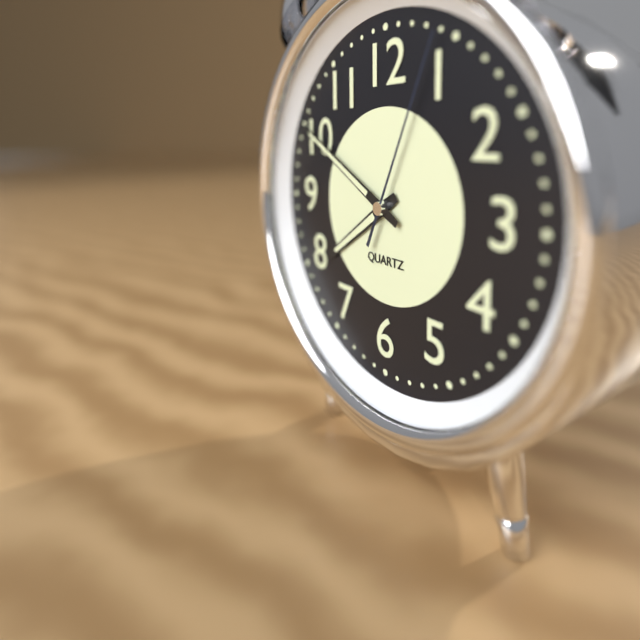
**7:50:04**
